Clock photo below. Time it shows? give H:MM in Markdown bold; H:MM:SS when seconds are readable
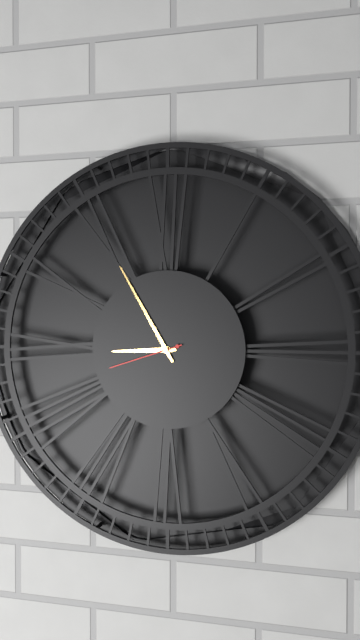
**8:55:42**
